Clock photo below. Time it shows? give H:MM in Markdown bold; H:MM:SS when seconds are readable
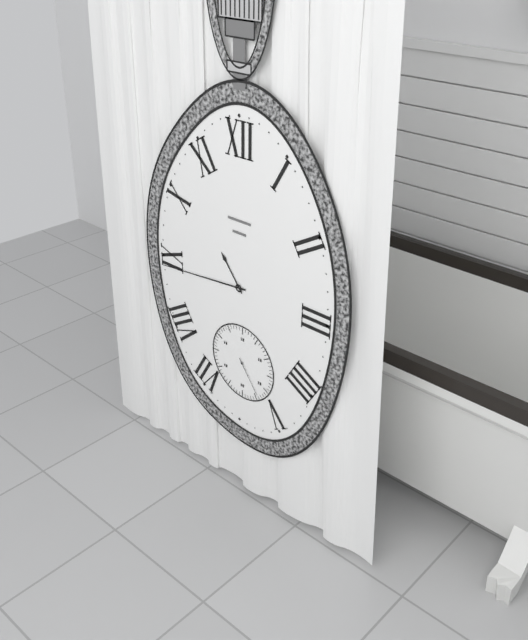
**10:44**
